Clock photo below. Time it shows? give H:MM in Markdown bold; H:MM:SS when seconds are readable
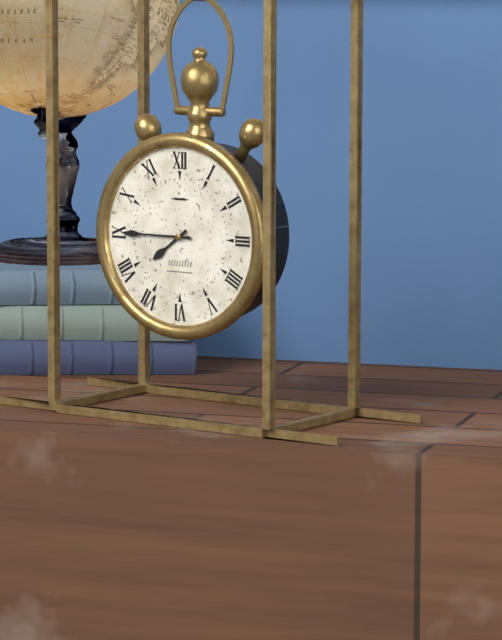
**7:45**
